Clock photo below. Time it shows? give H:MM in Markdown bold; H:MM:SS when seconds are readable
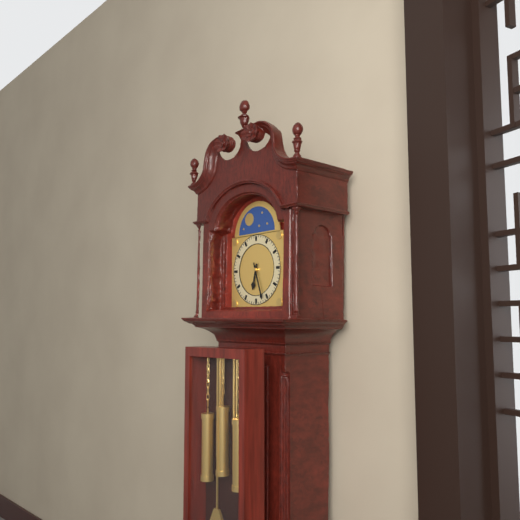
**6:27**
